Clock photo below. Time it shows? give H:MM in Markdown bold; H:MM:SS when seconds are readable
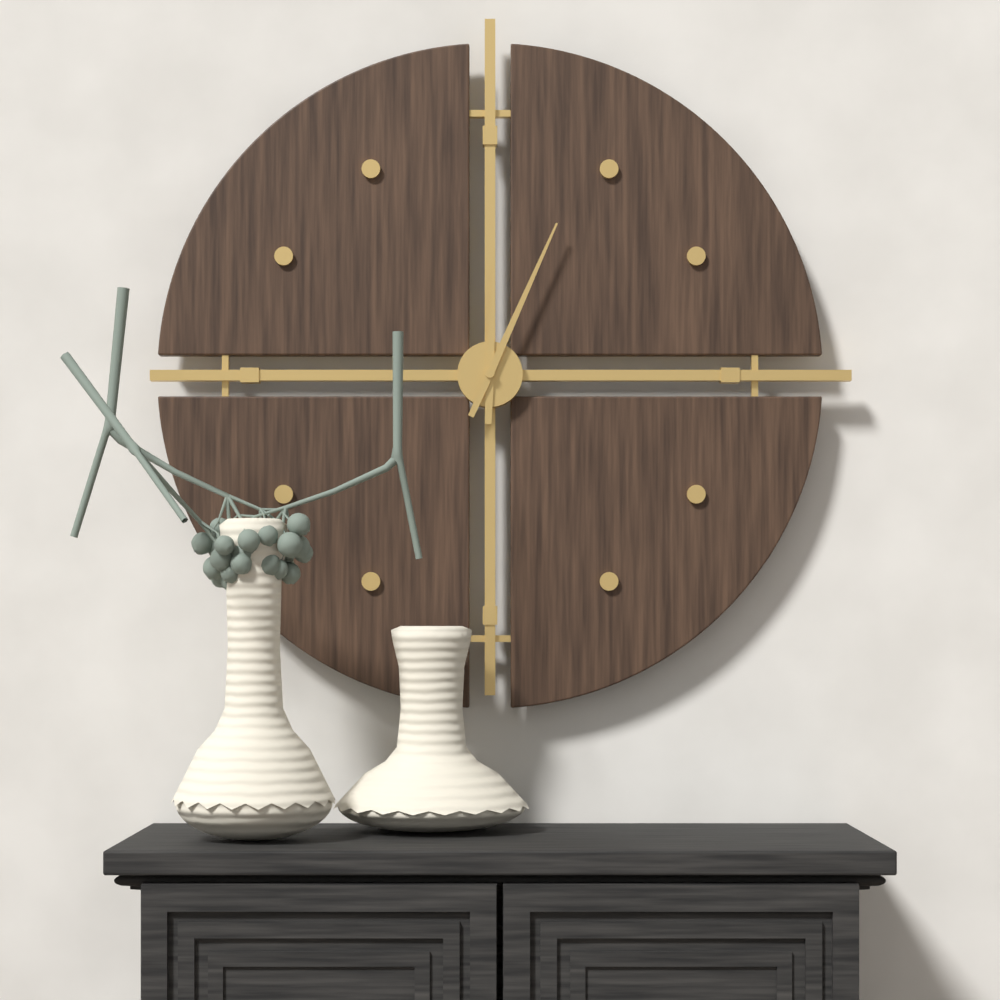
**12:04**
